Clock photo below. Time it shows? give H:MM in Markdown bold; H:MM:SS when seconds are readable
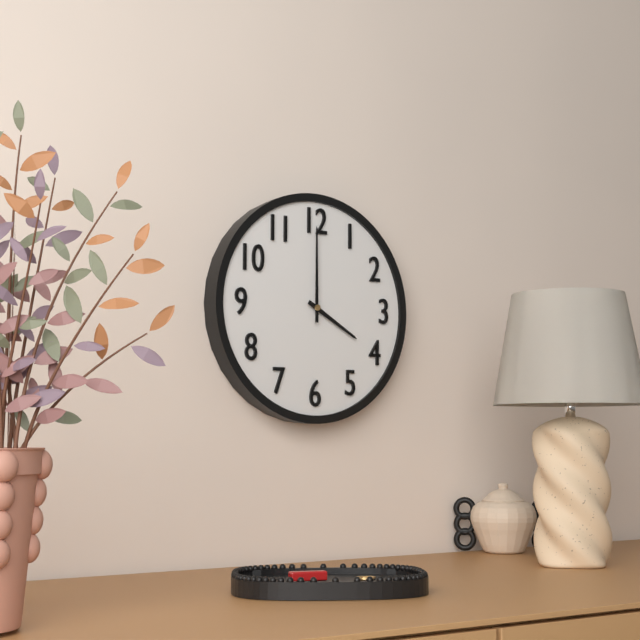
**4:00**
